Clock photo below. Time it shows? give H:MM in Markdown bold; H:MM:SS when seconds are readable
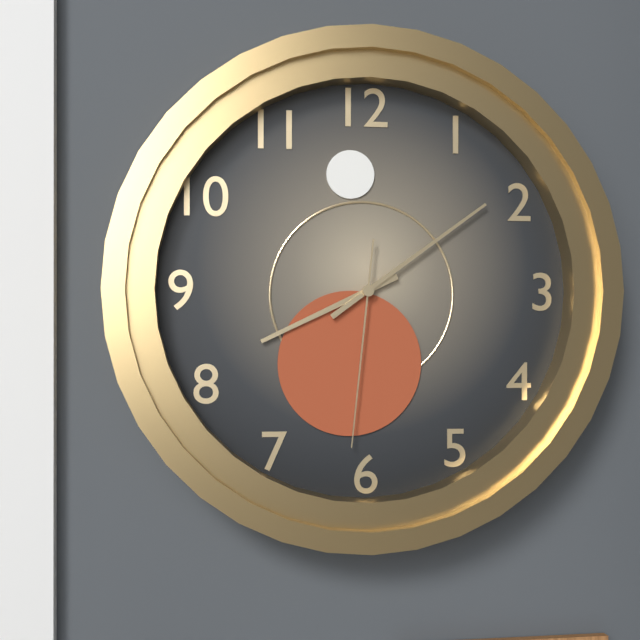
**8:09:31**
